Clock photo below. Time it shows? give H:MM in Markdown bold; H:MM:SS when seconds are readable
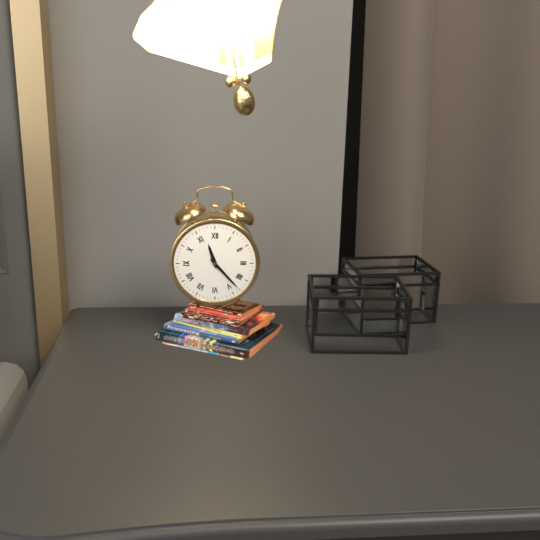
**11:23**
